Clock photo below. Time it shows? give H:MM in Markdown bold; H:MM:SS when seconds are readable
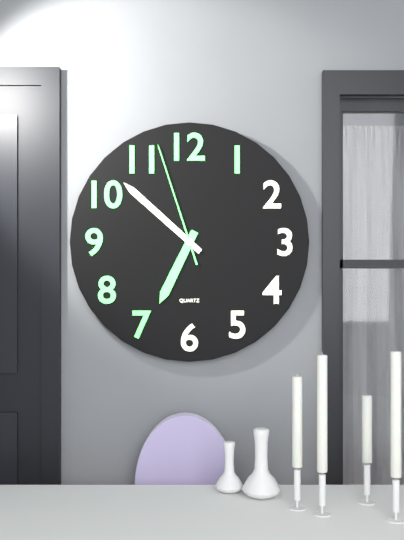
**6:52:57**
